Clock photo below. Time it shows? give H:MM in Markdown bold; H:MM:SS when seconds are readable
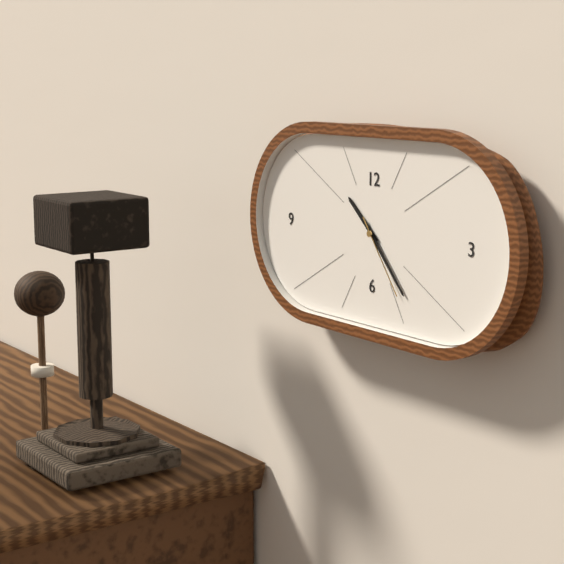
**10:23:24**
